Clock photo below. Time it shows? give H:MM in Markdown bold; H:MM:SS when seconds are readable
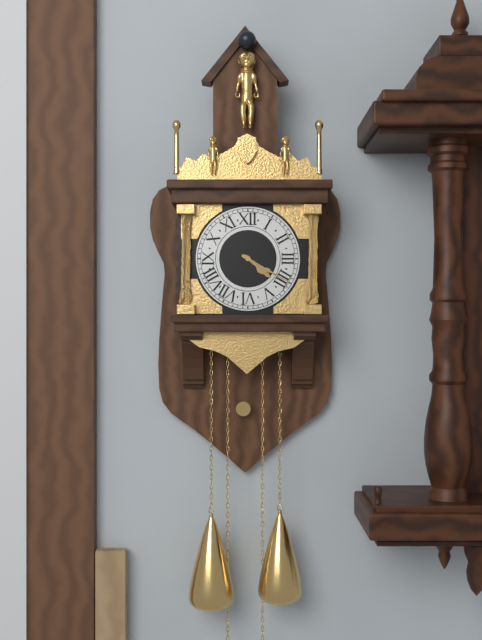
**4:20**
